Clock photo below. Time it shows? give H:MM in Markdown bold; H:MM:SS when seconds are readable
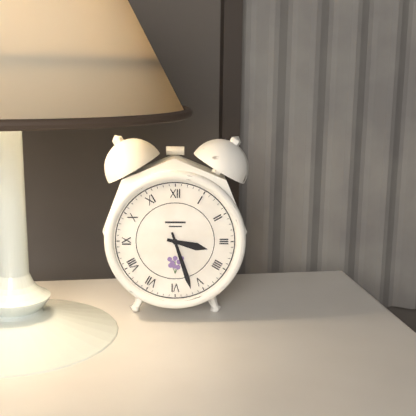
**3:27**
